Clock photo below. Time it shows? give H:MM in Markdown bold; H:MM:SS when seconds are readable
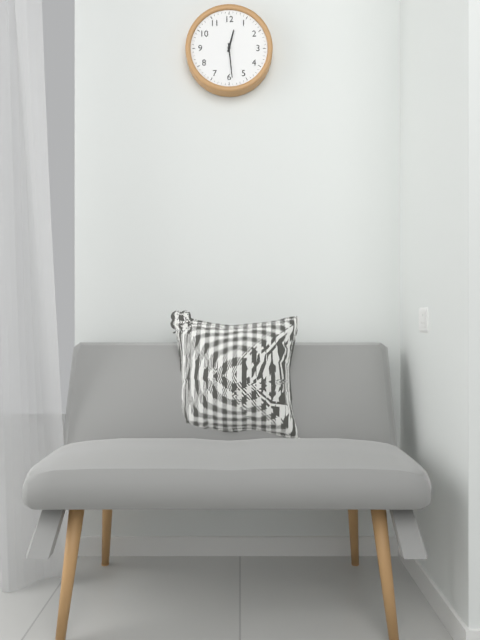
**12:29**
